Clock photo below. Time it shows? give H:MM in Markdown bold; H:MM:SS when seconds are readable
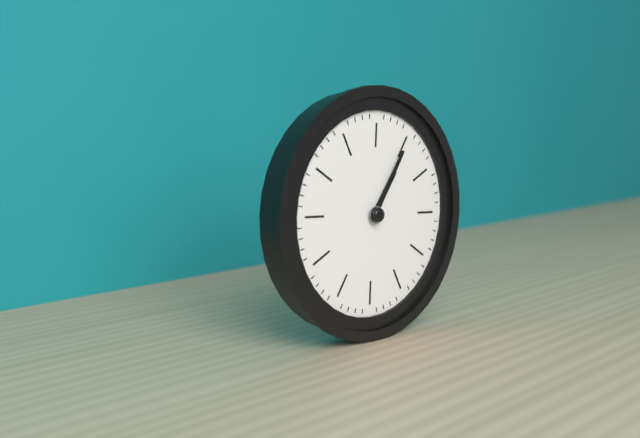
**1:05**
